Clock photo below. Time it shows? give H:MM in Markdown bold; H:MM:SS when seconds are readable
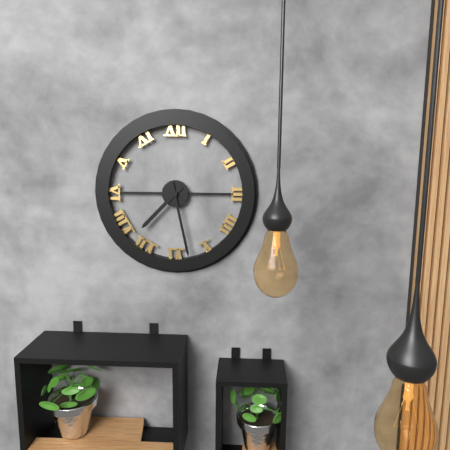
**7:28**
